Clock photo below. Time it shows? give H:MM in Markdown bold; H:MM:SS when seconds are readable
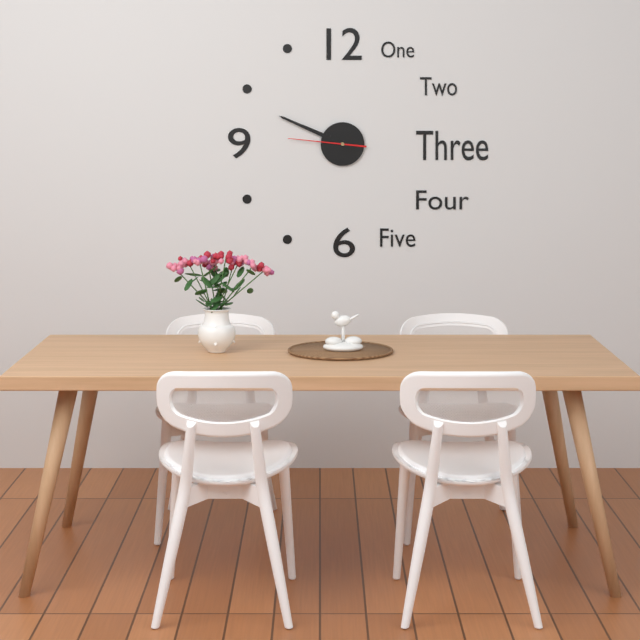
**9:49:46**
